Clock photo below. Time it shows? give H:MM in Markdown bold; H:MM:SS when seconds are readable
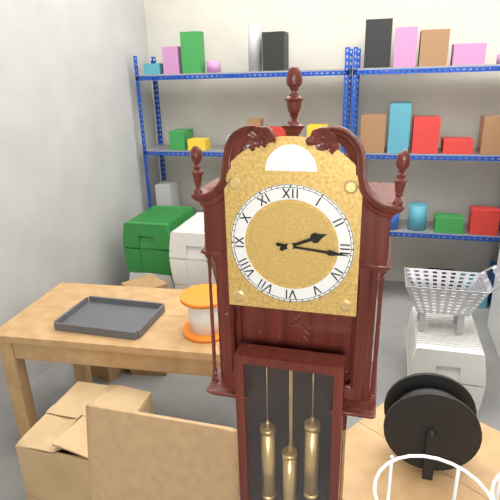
**2:16**
